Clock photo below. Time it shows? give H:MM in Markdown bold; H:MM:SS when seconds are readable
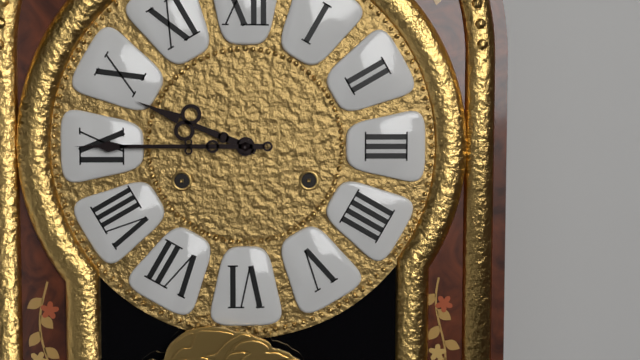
**9:45**
